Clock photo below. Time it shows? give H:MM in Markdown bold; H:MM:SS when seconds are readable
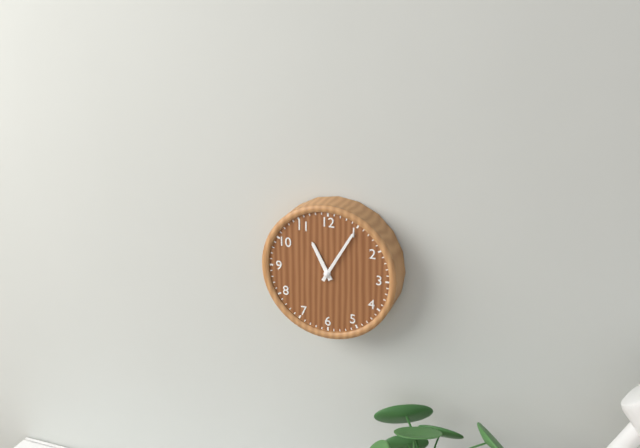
**11:05**
